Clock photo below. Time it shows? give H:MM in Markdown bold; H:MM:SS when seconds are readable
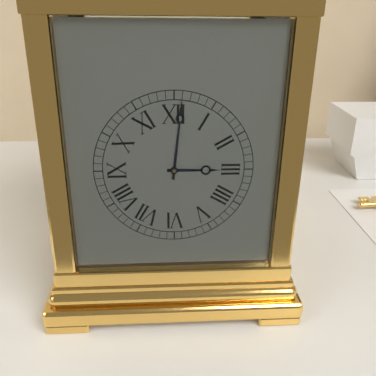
**3:01**
